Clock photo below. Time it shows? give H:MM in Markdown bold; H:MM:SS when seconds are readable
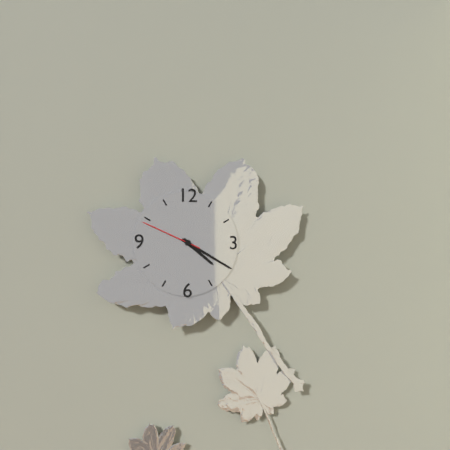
**4:20:49**
